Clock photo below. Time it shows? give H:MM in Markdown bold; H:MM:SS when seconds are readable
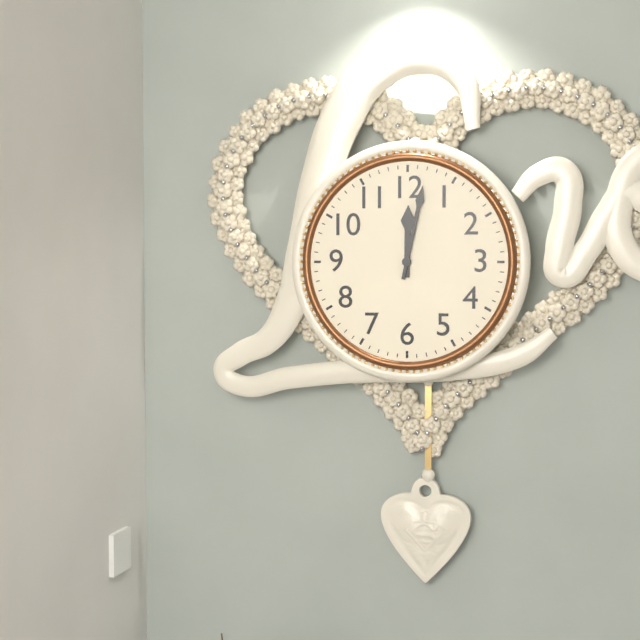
**12:02**
